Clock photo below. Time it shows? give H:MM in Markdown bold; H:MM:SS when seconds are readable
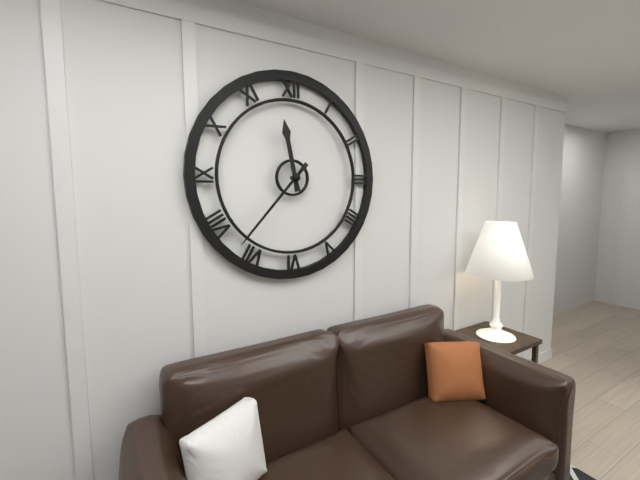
**11:37**
